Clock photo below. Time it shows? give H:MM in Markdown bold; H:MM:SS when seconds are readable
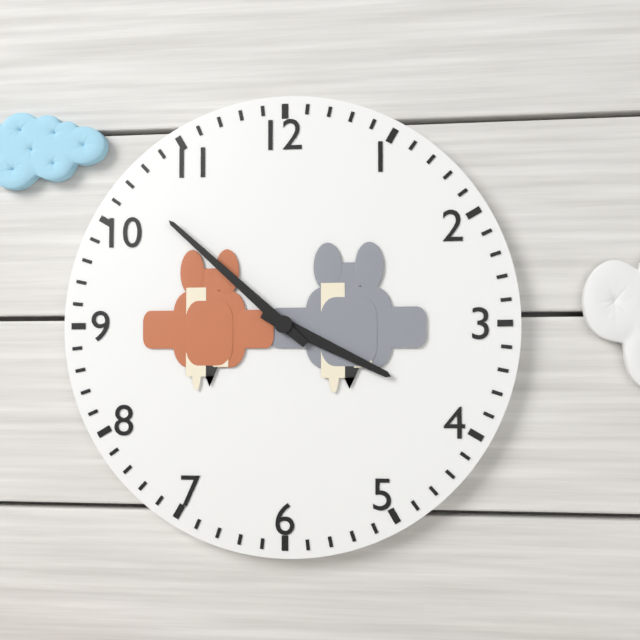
**3:52**
